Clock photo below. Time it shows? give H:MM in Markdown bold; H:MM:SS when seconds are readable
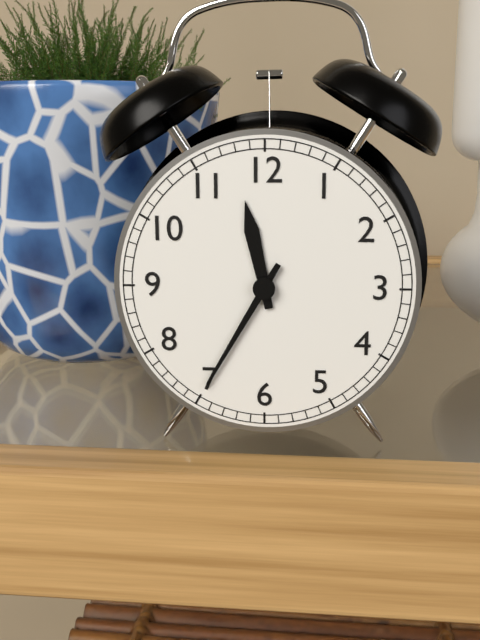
**11:35**
